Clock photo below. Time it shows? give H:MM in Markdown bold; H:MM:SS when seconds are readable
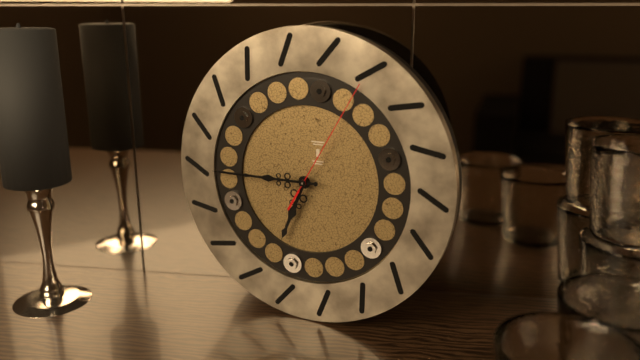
**6:45:05**
